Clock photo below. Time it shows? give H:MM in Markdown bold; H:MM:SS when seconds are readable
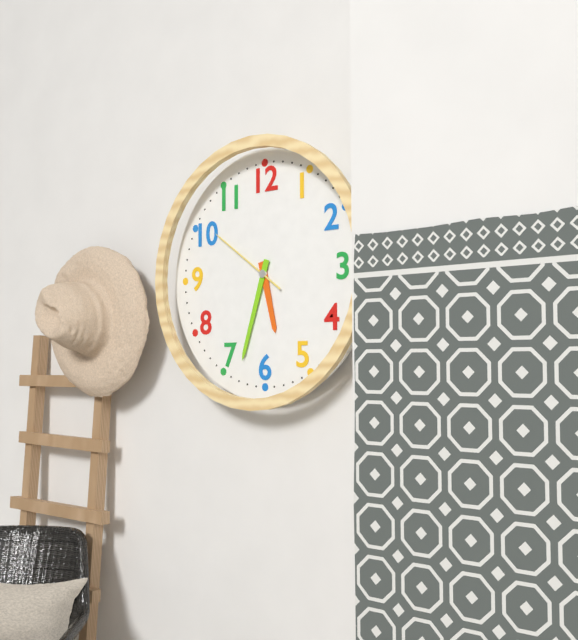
**5:33:51**
